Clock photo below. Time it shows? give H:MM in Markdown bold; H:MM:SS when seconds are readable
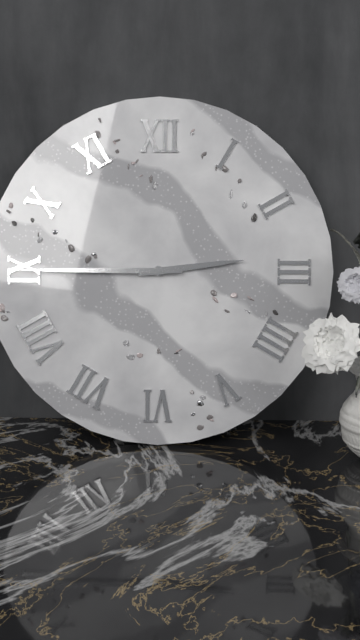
**2:45**
